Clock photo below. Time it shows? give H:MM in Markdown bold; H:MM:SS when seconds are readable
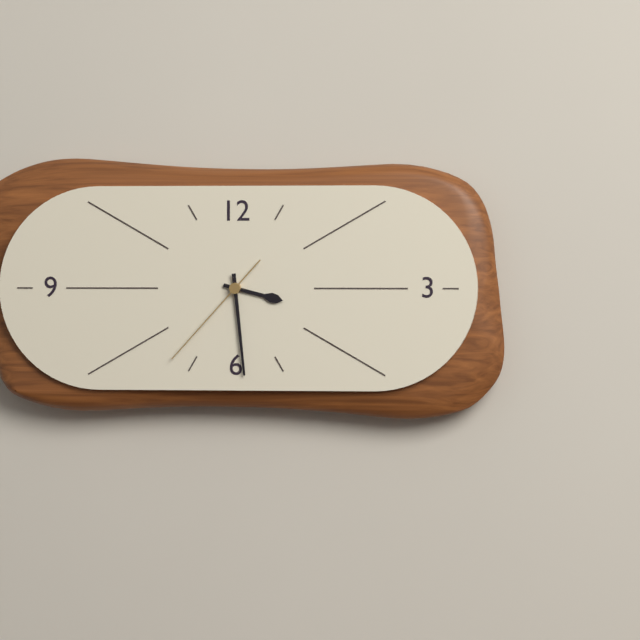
**3:29:37**
